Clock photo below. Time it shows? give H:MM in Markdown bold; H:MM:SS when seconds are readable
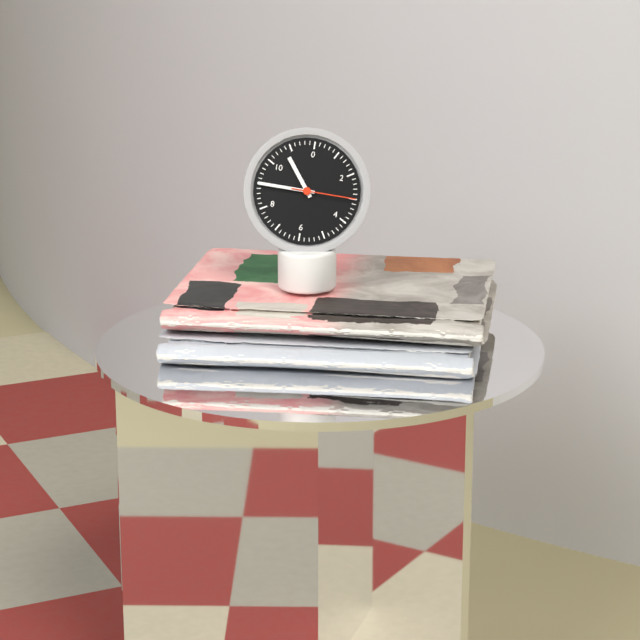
**10:45:15**
